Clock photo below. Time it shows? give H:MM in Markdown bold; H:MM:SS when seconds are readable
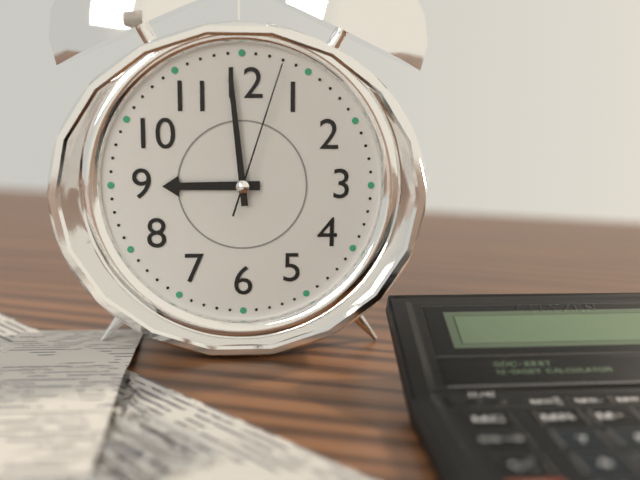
**8:59:03**
